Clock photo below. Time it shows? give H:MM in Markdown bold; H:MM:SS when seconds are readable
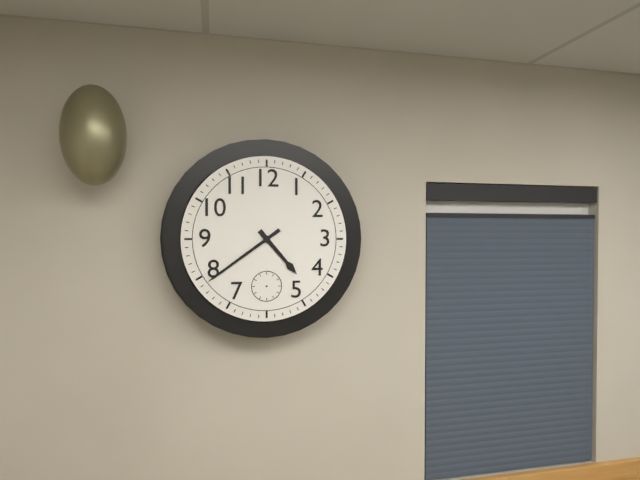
**4:39**
